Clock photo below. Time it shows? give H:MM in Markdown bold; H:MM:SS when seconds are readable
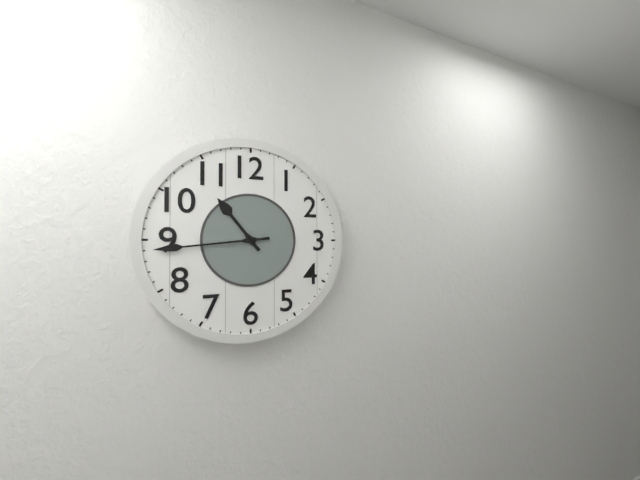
**10:44**
